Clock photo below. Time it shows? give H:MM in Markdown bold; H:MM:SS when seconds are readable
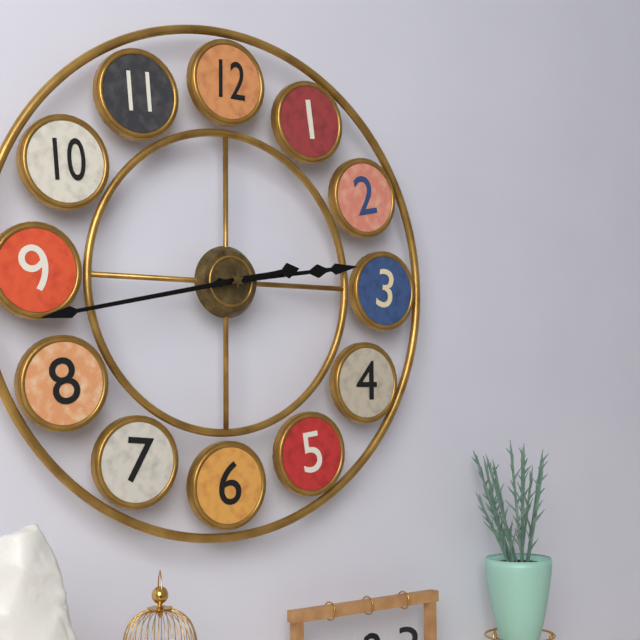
**2:43**
